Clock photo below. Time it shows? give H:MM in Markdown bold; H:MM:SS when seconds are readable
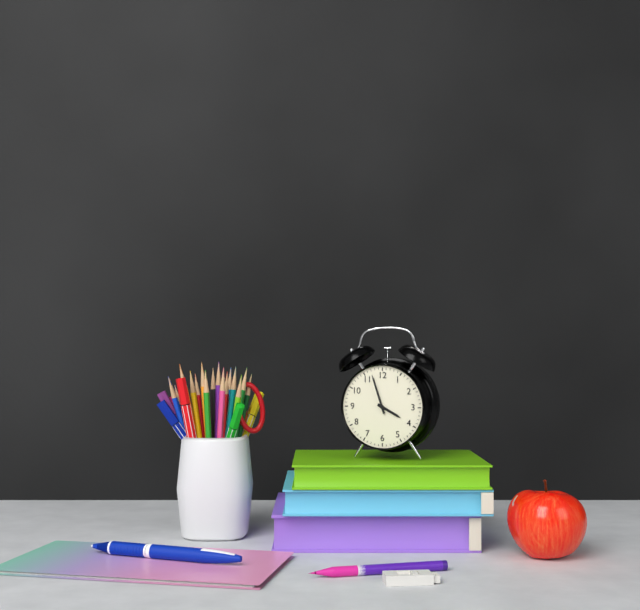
**3:57**
